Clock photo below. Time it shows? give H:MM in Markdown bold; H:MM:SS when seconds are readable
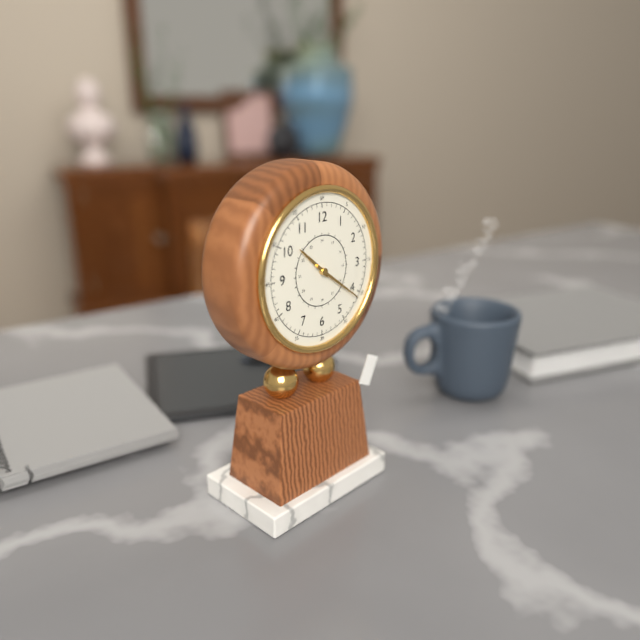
**10:21**
